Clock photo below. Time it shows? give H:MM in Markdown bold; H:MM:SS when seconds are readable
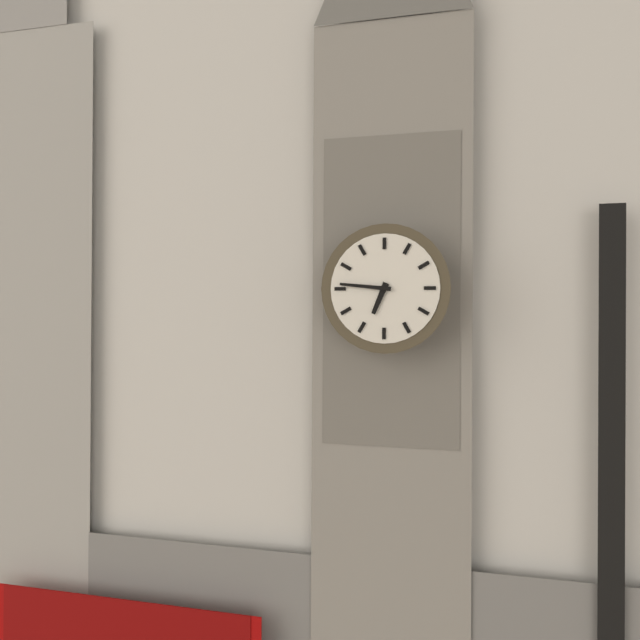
**6:46**
